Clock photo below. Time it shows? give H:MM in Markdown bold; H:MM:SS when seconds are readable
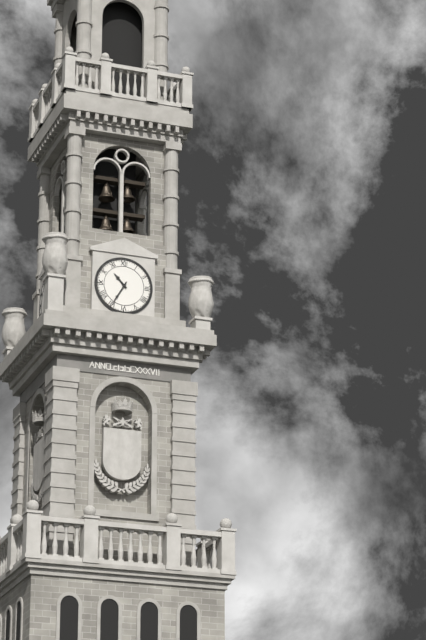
**10:35**
